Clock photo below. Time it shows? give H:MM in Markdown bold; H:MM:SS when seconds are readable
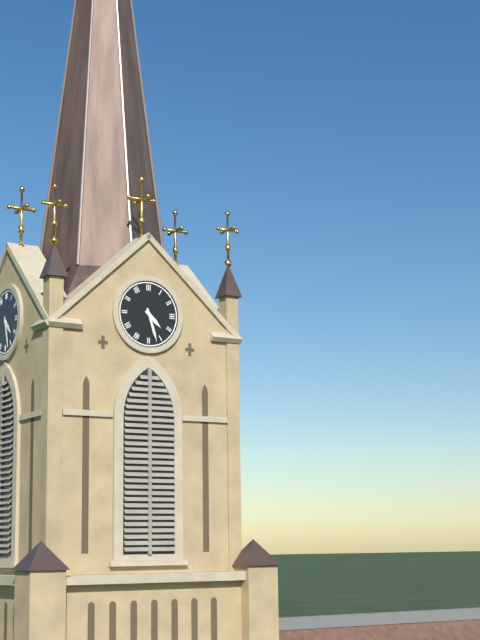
**4:27**
